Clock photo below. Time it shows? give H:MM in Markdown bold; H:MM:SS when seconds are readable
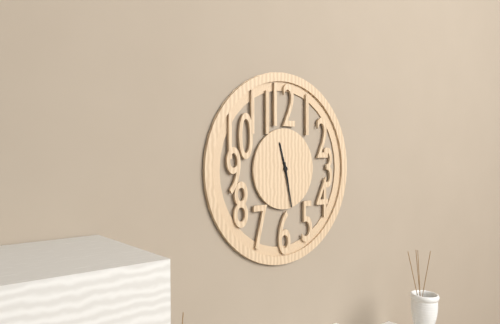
**11:28**
